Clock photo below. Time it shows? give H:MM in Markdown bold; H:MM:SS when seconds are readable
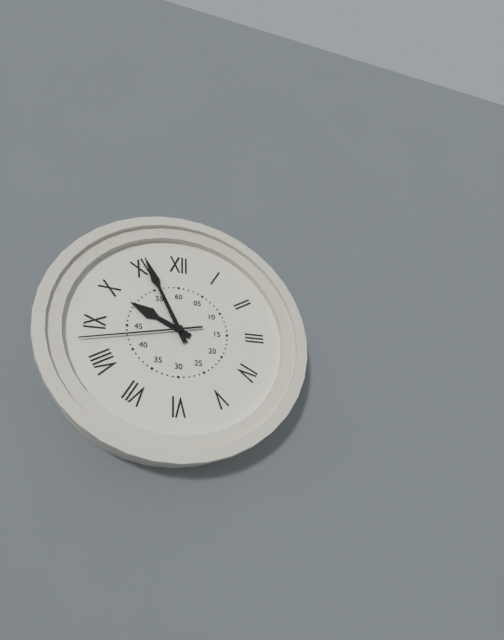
**9:56:43**
